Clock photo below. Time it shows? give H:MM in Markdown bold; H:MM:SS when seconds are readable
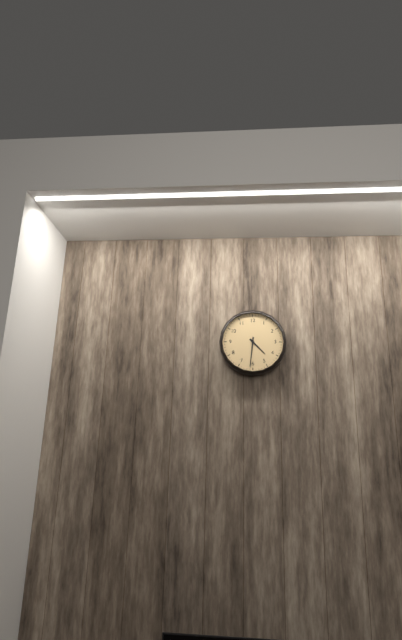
**4:31**
